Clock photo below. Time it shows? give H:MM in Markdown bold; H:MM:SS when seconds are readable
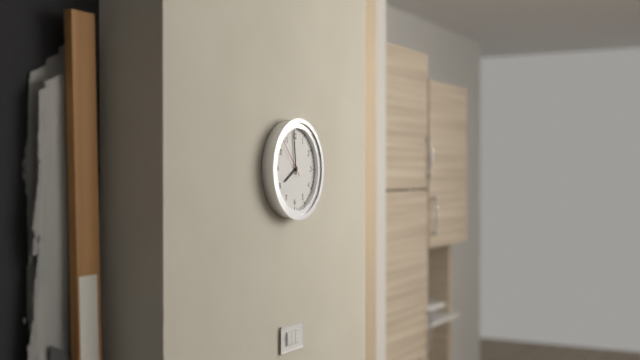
**7:59**
